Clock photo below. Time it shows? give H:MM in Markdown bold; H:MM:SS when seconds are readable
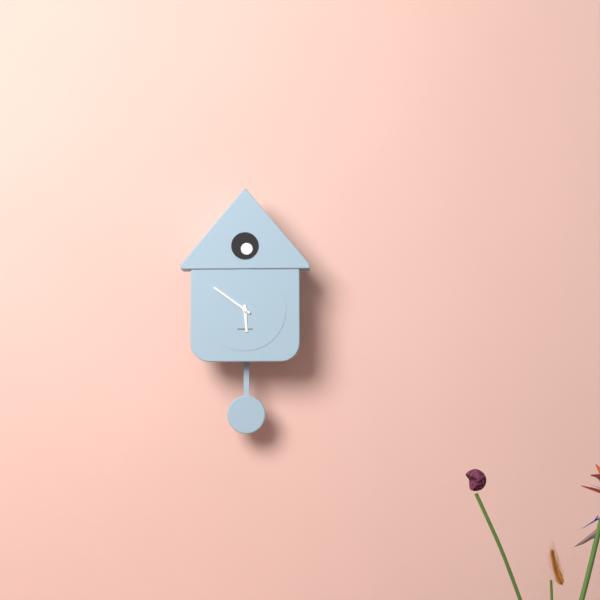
**5:51**
